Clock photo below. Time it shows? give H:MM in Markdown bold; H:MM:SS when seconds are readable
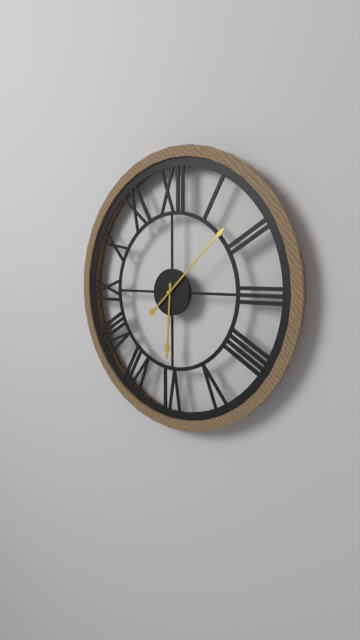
**6:08**
